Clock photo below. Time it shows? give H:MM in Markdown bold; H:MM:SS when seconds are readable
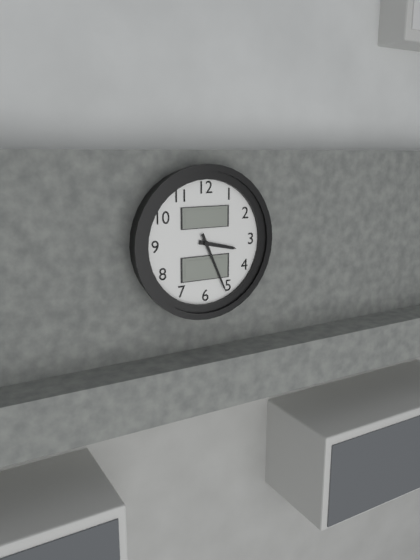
**3:26**
